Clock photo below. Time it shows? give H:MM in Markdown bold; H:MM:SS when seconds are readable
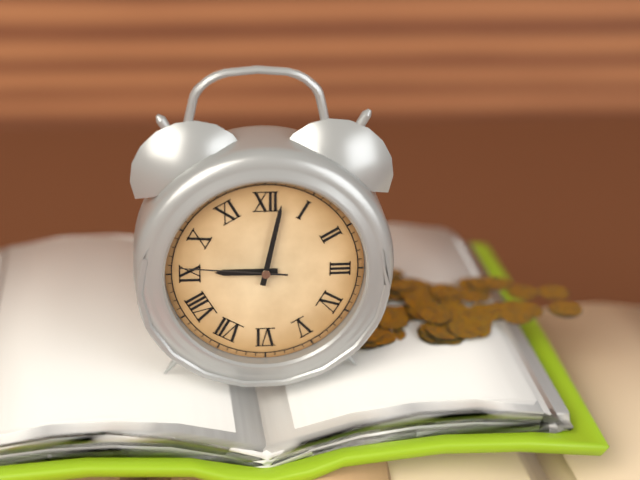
**9:02:46**
